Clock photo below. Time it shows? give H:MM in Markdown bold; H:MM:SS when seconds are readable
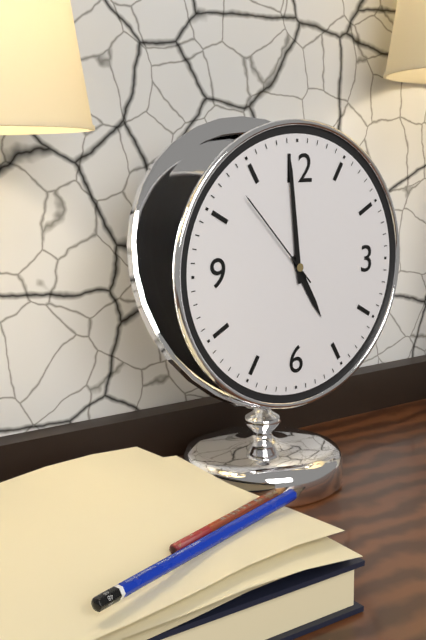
**4:59:53**
